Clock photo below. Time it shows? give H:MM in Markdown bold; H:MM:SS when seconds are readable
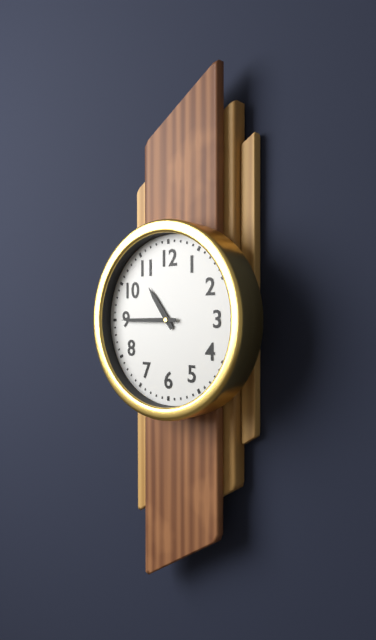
**10:45**
